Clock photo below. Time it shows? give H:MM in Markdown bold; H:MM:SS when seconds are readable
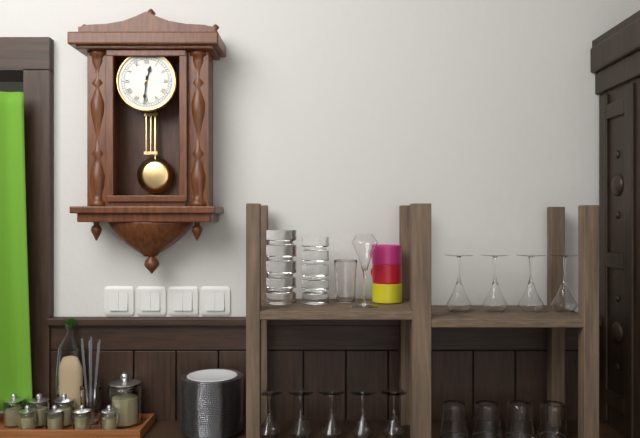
**12:31**
